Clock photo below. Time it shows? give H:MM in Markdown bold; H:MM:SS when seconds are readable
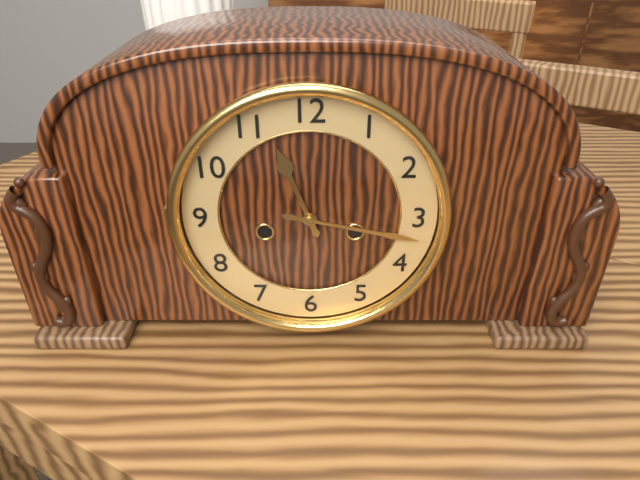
**11:17**
